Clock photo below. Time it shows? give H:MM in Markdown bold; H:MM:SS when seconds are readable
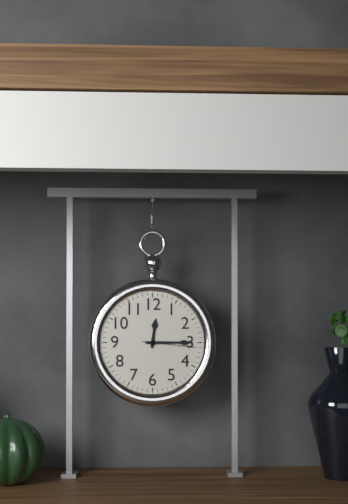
**12:15:16**
